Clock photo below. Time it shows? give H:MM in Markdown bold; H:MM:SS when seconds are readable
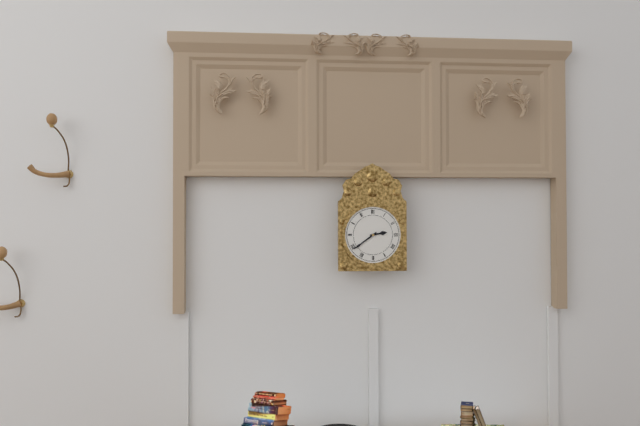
**2:39**
